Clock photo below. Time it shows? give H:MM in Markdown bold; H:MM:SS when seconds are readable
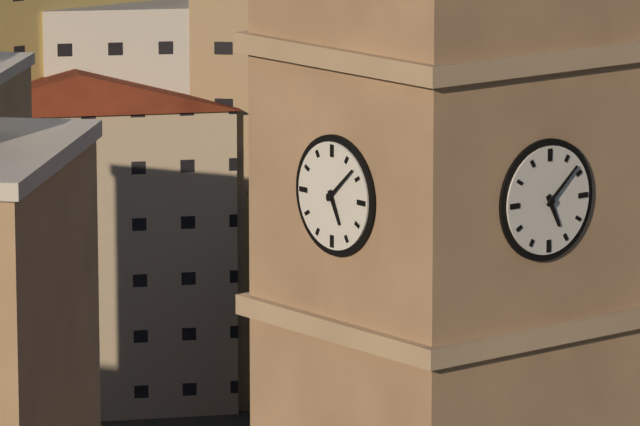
**5:08**
